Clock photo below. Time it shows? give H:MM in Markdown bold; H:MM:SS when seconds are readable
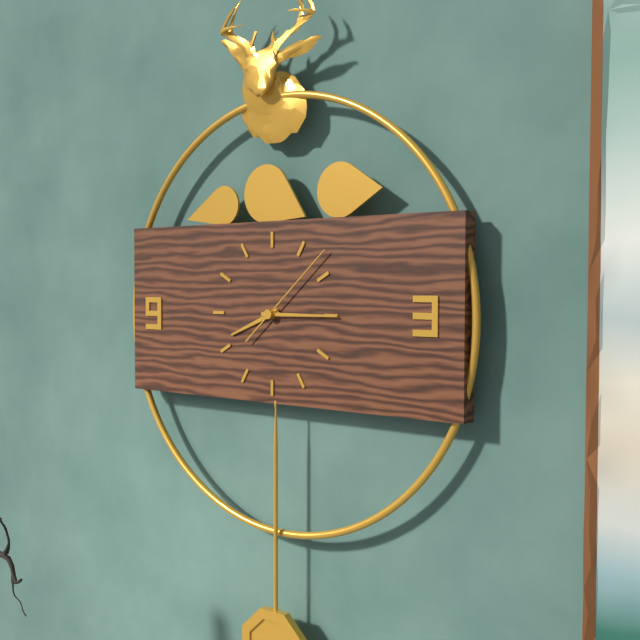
**8:15:08**
